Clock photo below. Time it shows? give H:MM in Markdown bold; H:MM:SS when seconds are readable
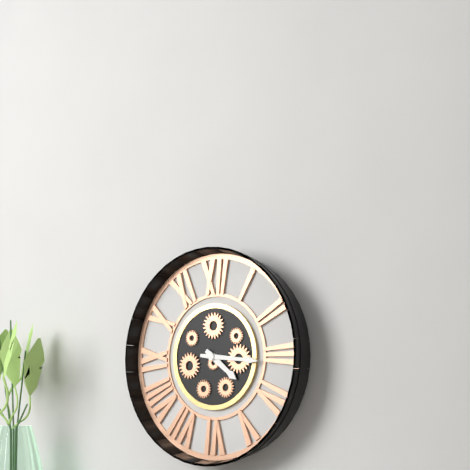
**4:16**
